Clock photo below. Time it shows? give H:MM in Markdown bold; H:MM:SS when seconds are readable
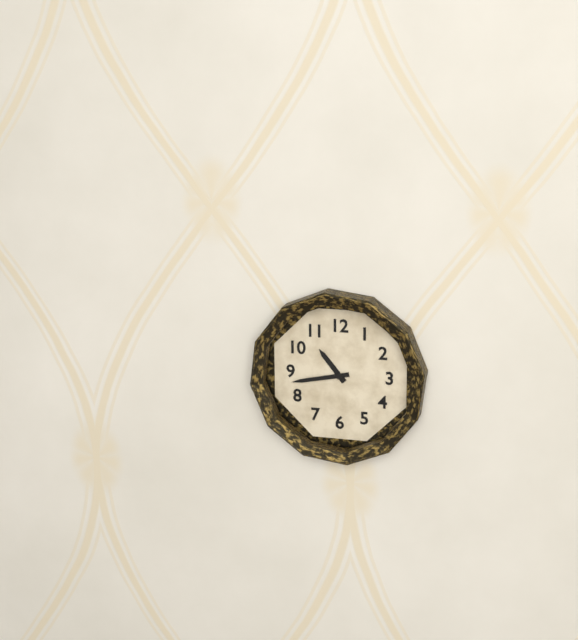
**10:43**
